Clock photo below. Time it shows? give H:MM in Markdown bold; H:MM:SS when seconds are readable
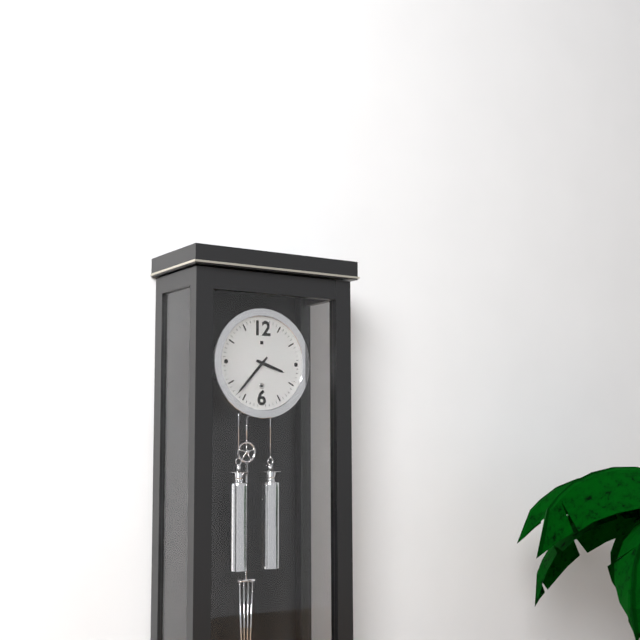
**3:37**
